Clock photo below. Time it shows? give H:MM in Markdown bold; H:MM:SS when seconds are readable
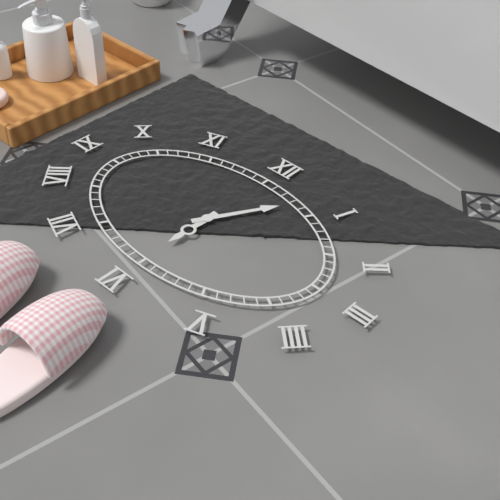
**6:05**
